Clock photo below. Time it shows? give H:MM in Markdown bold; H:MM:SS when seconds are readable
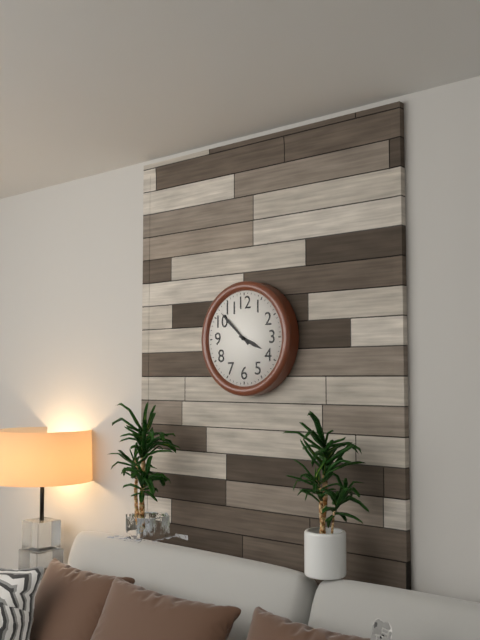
**3:52**
